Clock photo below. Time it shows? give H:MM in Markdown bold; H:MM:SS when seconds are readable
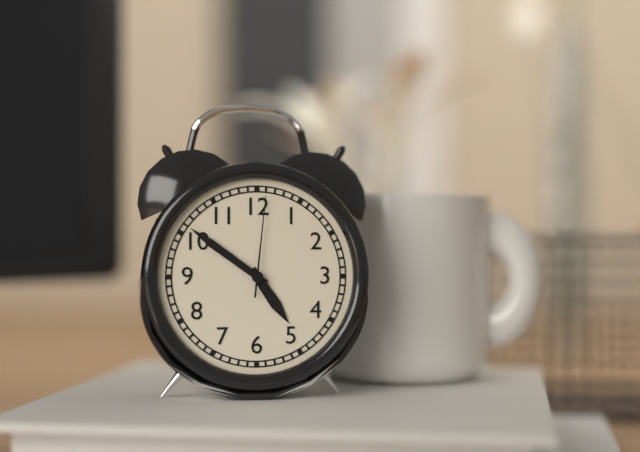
**4:51:01**
